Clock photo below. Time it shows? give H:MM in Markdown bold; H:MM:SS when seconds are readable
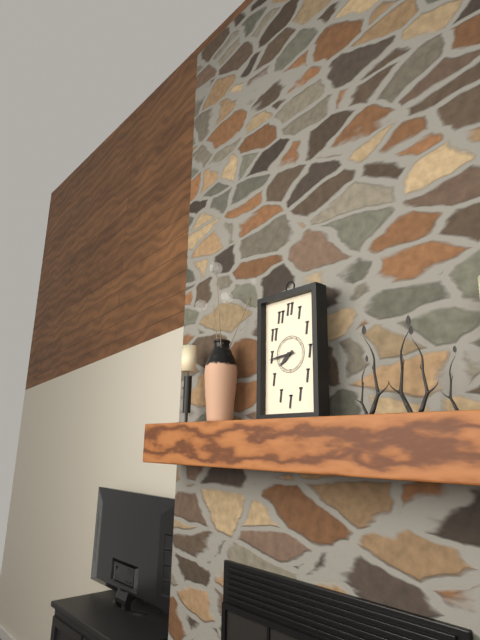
**7:44**
